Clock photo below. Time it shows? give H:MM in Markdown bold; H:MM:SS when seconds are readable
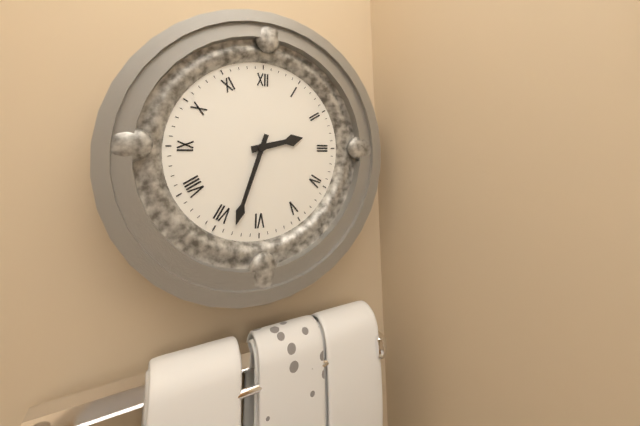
**2:33**
